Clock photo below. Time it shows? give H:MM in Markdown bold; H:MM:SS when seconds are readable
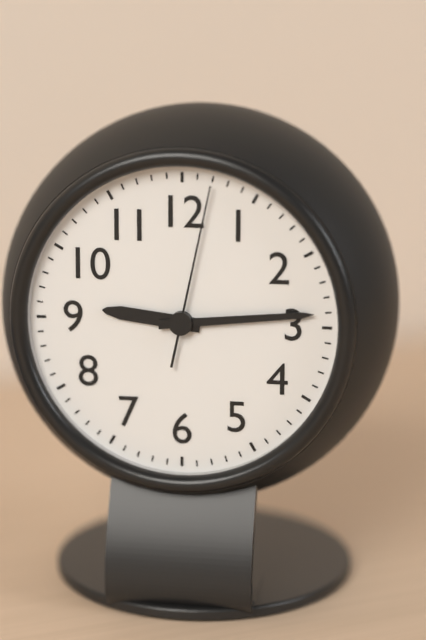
**9:14:02**
